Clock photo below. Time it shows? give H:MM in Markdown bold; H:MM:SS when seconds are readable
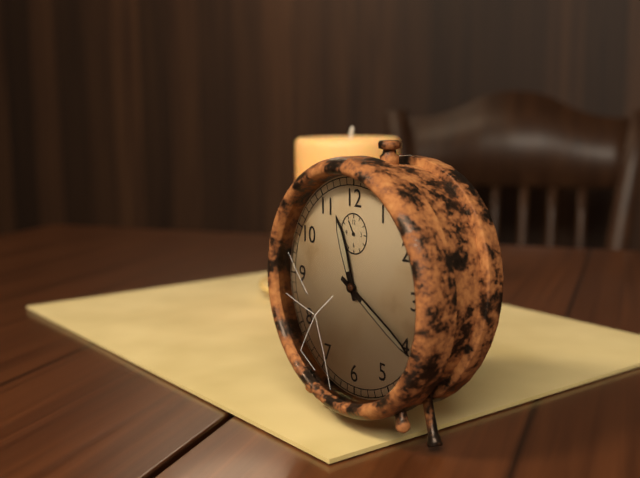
**11:20**
